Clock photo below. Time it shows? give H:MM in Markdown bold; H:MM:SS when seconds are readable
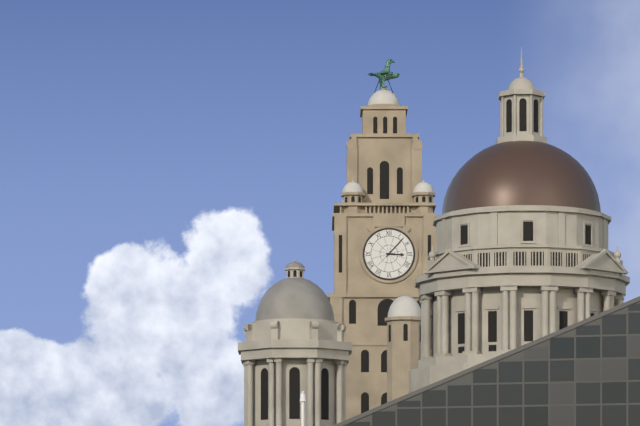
**3:07**
